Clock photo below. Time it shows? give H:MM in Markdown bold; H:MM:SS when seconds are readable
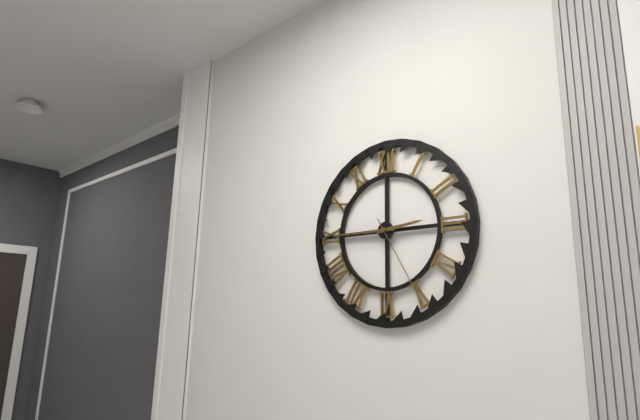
**2:45:25**
